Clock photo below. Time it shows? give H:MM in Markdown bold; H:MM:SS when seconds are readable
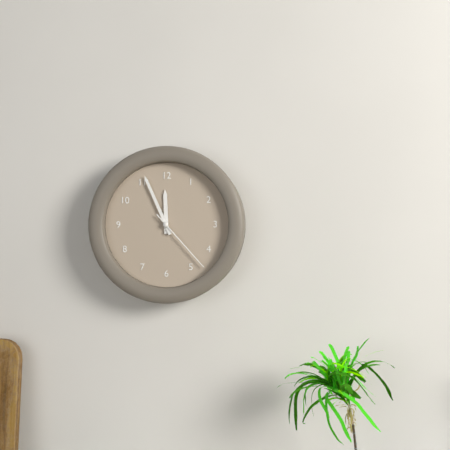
**11:56:23**
